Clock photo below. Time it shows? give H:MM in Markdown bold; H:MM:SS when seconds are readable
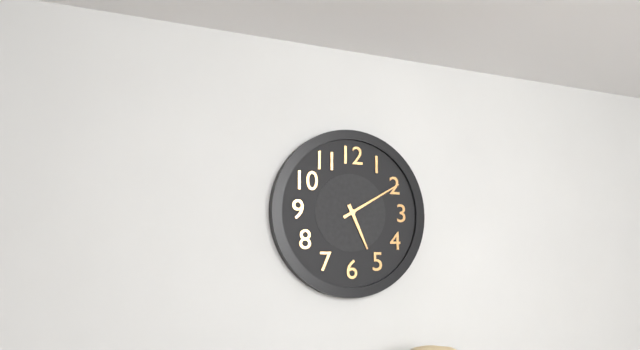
**5:10**
